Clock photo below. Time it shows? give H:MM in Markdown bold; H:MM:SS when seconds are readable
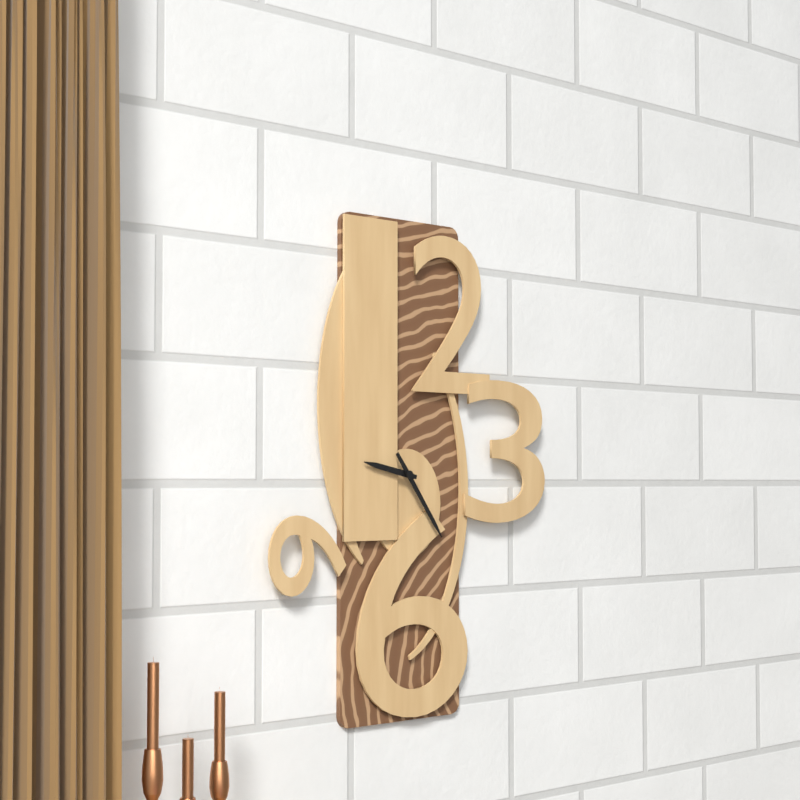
**9:24**
